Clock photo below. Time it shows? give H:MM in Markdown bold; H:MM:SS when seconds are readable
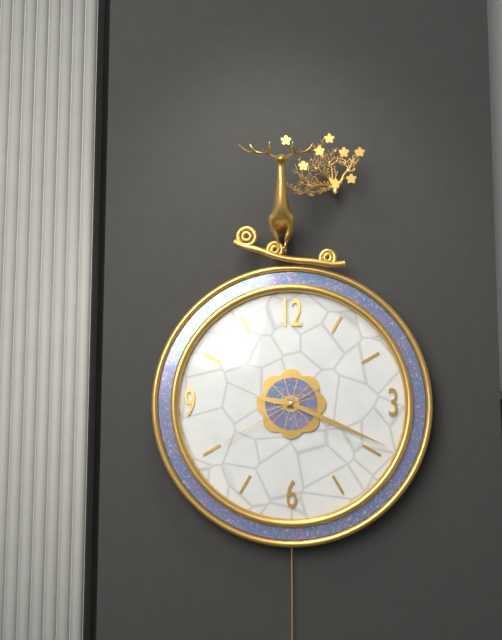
**9:19:40**
